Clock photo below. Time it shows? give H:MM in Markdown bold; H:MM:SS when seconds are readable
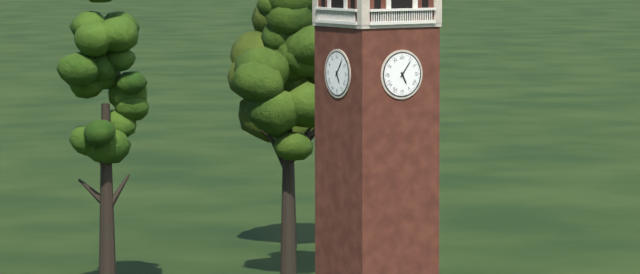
**5:06**
